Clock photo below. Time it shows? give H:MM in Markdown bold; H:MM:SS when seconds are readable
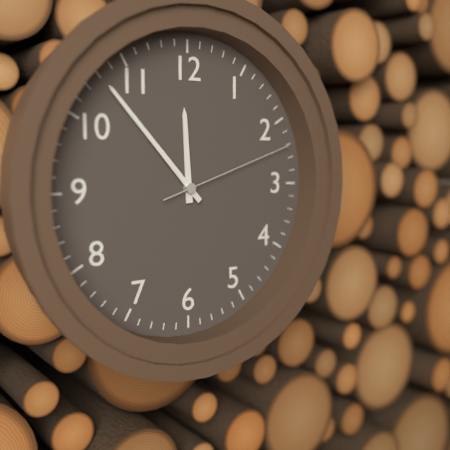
**11:53:12**
